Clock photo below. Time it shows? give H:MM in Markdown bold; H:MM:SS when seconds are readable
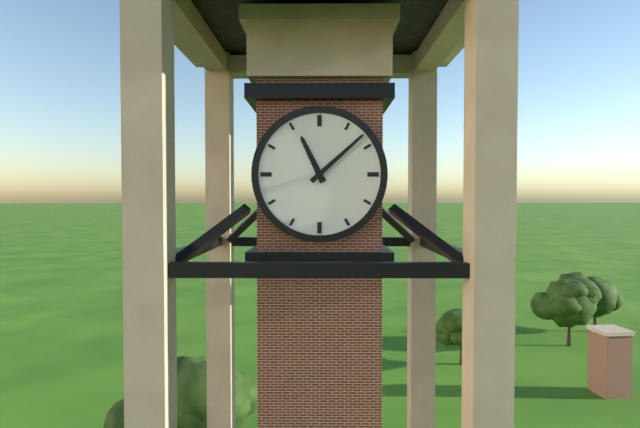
**11:08**
